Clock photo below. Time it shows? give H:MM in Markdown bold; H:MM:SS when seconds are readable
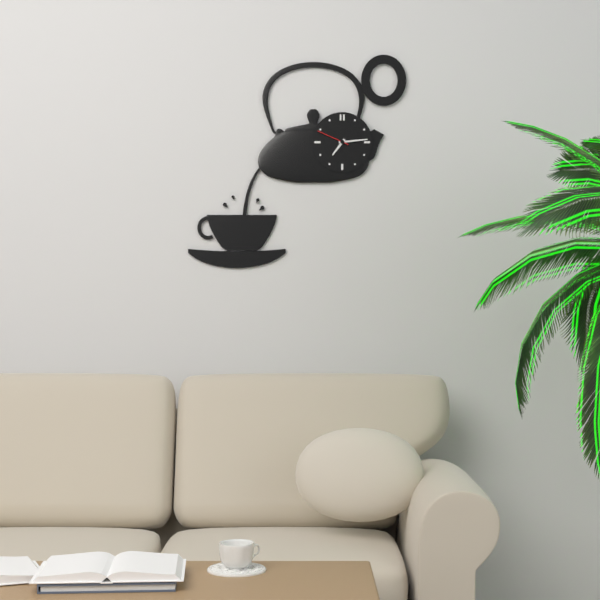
**7:14**
